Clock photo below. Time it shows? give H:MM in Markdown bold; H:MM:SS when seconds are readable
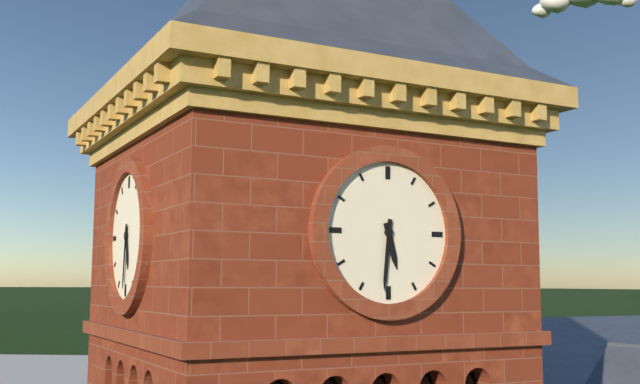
**5:31**
